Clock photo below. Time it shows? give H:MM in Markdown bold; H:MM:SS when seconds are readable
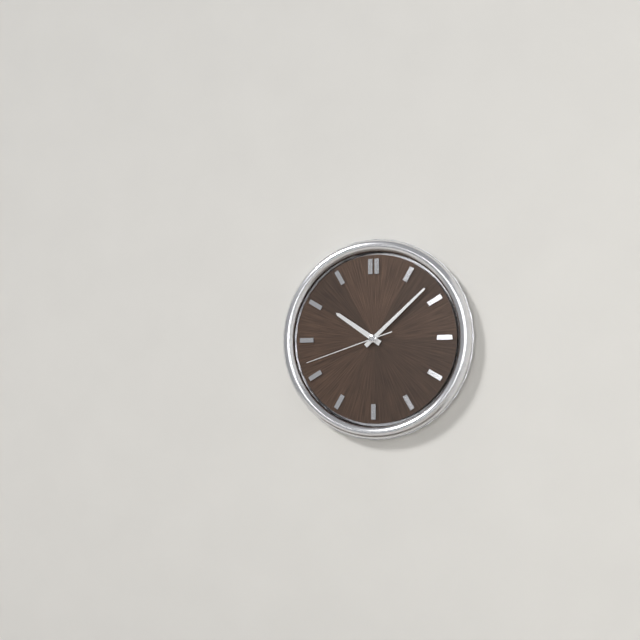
**10:08:42**
